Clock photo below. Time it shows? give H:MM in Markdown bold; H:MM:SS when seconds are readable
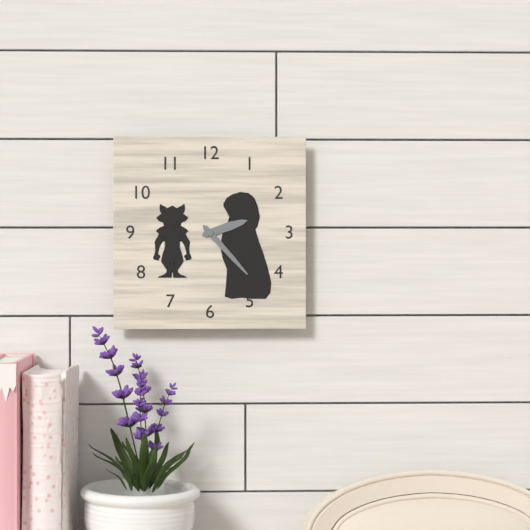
**2:23**
